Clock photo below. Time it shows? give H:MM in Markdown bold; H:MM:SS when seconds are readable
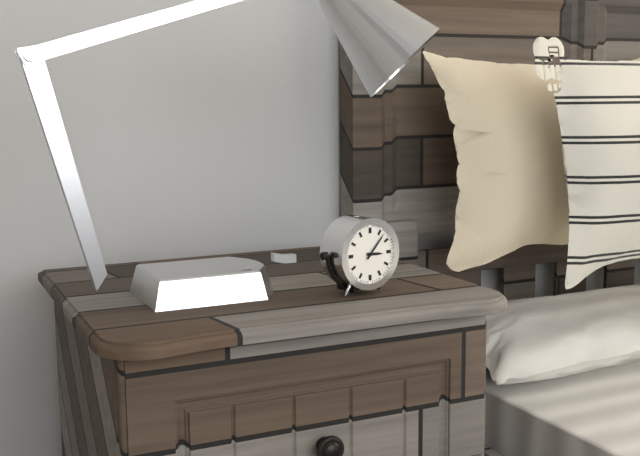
**3:07**
